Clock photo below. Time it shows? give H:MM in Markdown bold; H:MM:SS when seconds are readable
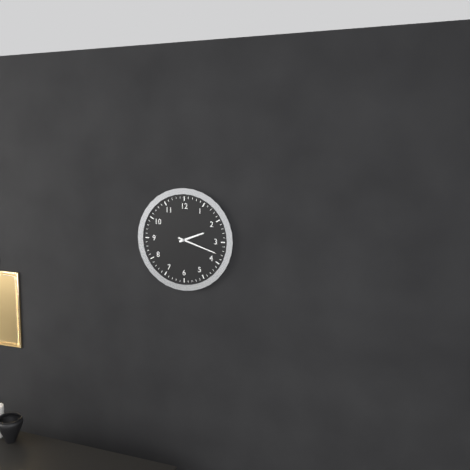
**2:18**
